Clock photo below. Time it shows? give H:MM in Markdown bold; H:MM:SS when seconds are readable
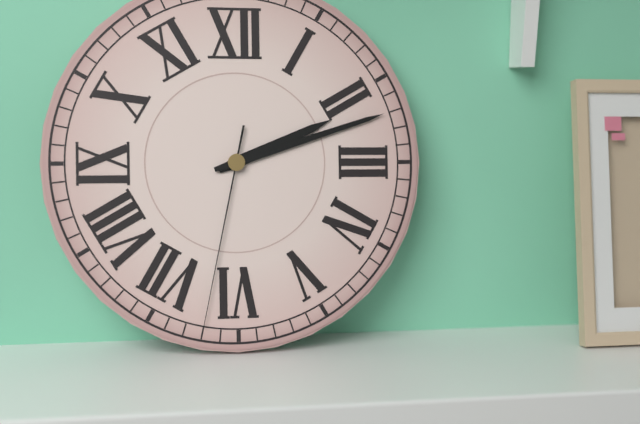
**2:12:32**
